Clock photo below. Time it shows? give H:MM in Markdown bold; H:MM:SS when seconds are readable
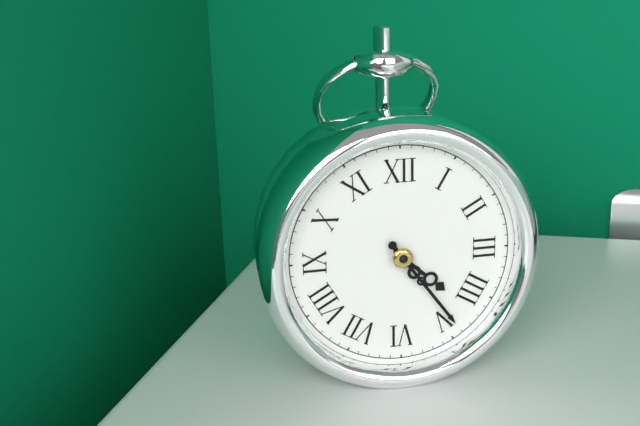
**4:24**
